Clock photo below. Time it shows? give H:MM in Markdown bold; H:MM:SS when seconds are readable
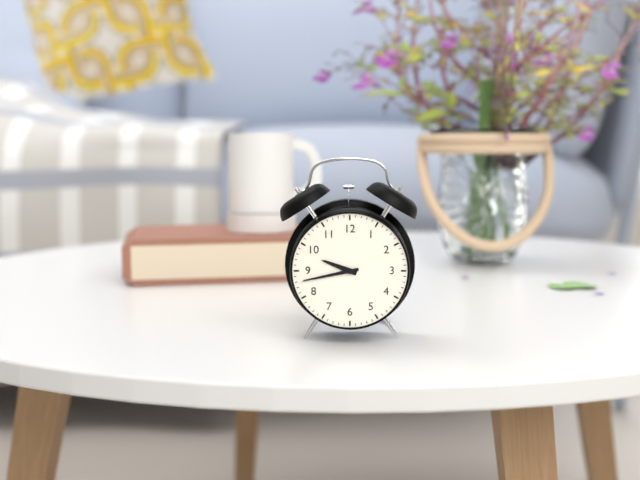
**9:43**
